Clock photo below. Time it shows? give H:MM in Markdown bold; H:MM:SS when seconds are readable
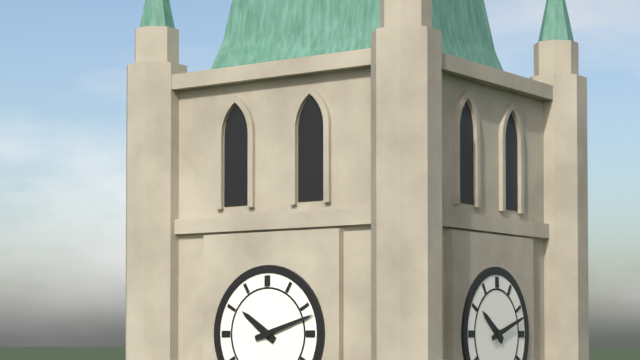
**10:12**
